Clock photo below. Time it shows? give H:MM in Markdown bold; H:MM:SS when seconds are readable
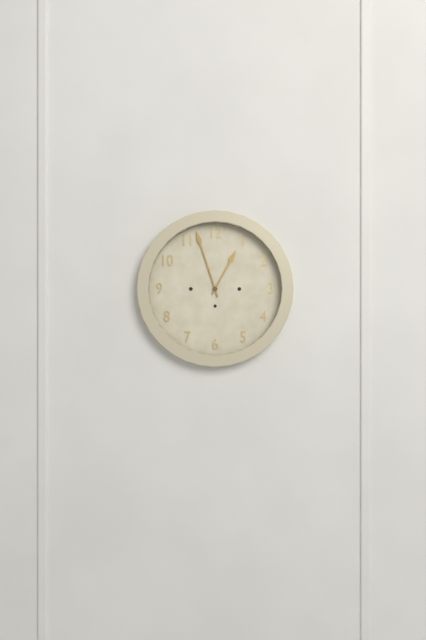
**12:57**
